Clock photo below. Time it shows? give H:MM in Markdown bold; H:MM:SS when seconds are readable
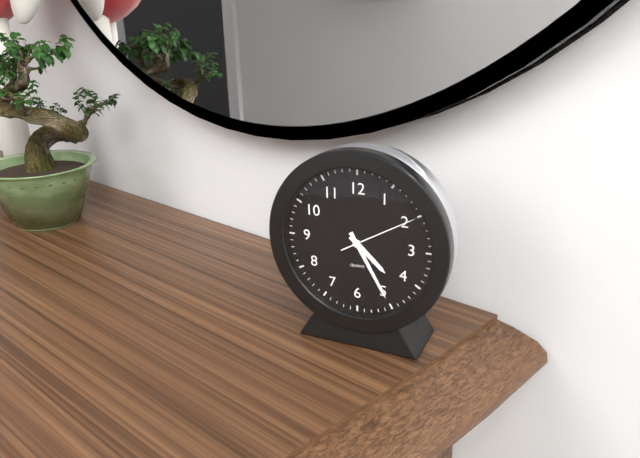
**4:25:10**
